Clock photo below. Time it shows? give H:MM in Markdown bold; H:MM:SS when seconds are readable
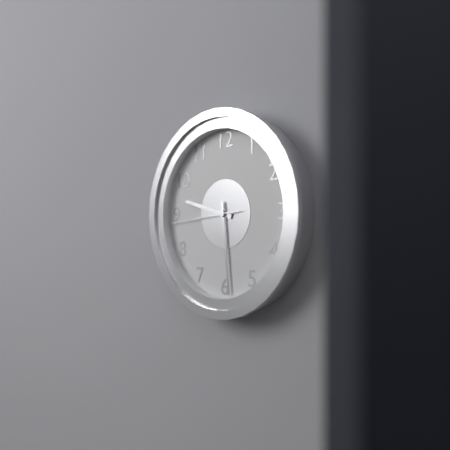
**9:29:44**
